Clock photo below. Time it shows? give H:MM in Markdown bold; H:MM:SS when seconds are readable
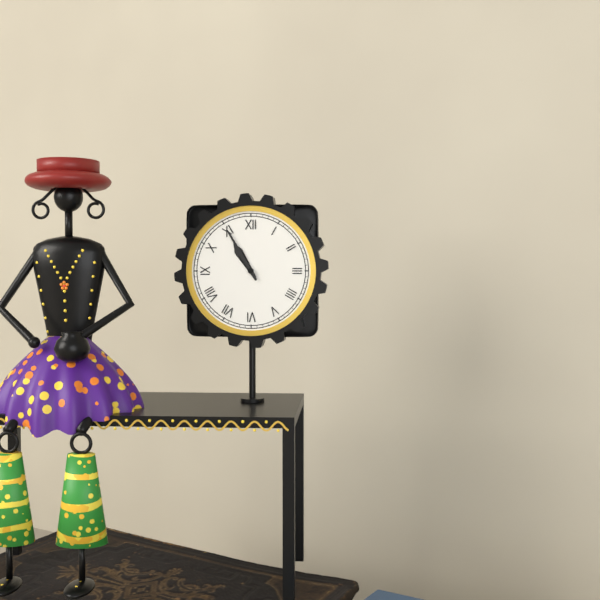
**10:55**
